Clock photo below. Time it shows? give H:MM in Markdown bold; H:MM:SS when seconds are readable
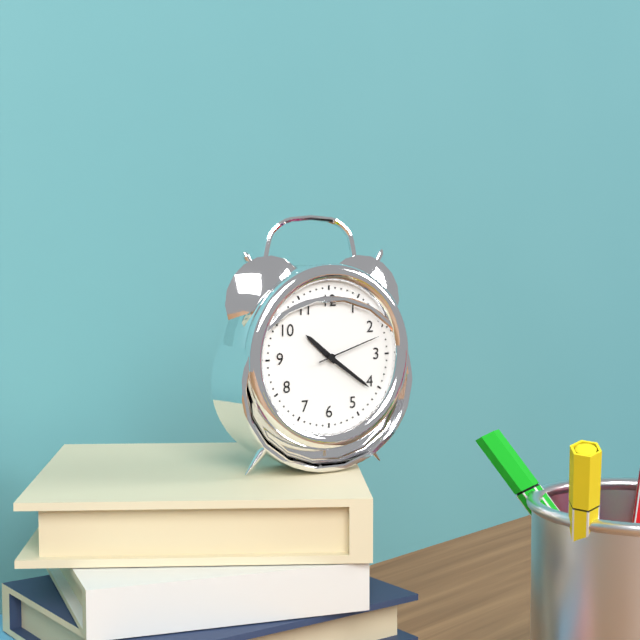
**10:21:12**
